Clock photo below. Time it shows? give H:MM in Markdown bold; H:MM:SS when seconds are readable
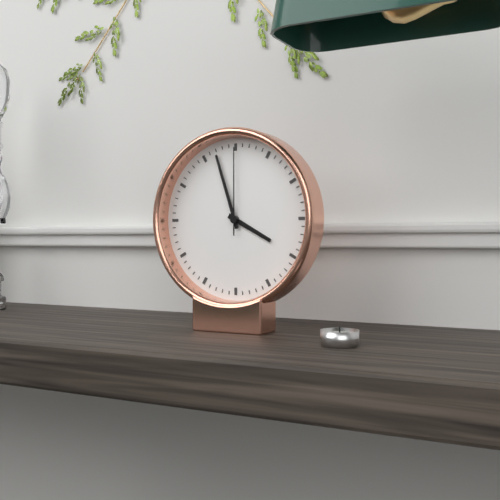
**3:57:00**
